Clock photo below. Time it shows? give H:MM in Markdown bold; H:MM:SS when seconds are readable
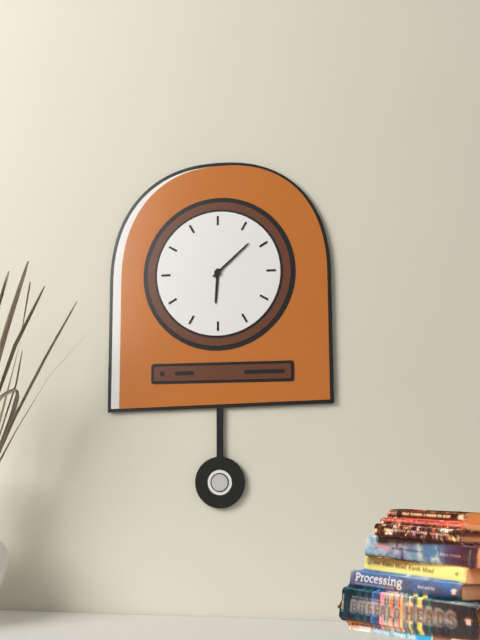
**6:08**
